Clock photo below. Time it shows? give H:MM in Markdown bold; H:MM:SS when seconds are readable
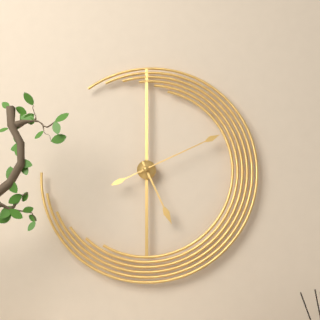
**5:11**
